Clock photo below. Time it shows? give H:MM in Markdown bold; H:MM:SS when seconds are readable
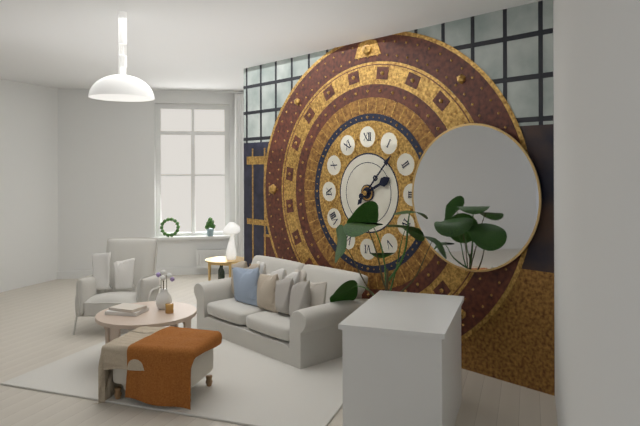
**2:07**
